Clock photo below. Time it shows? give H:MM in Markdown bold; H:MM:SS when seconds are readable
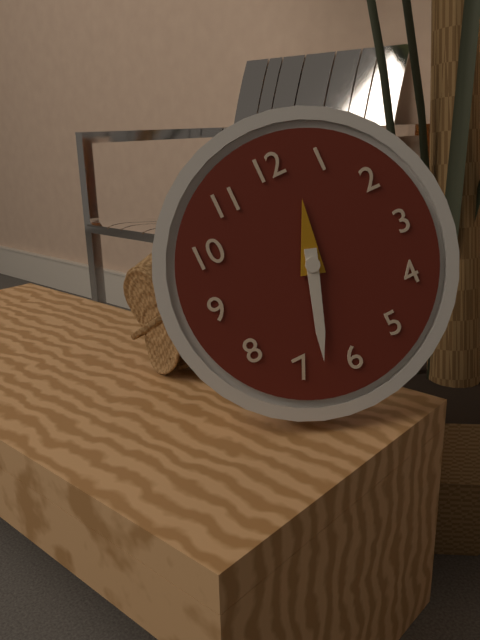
**12:33**
